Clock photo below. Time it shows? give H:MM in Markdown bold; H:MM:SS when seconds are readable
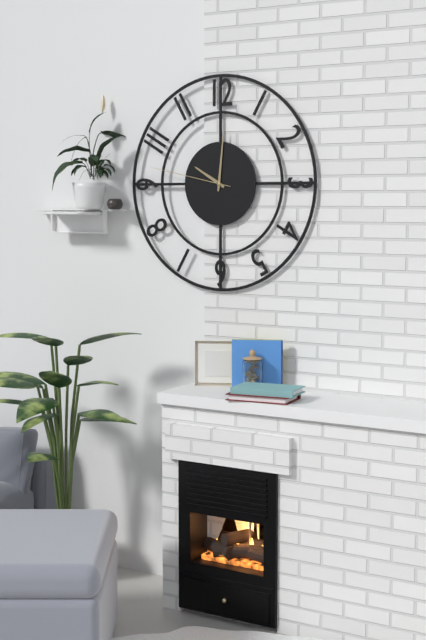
**10:01:47**
